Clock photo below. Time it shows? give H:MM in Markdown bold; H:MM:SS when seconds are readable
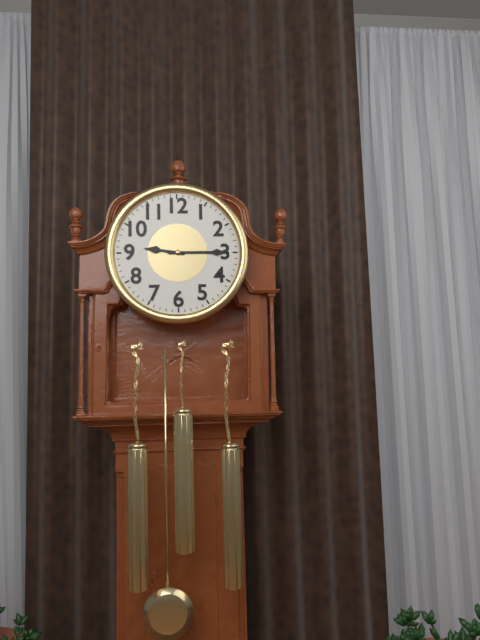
**9:15**
